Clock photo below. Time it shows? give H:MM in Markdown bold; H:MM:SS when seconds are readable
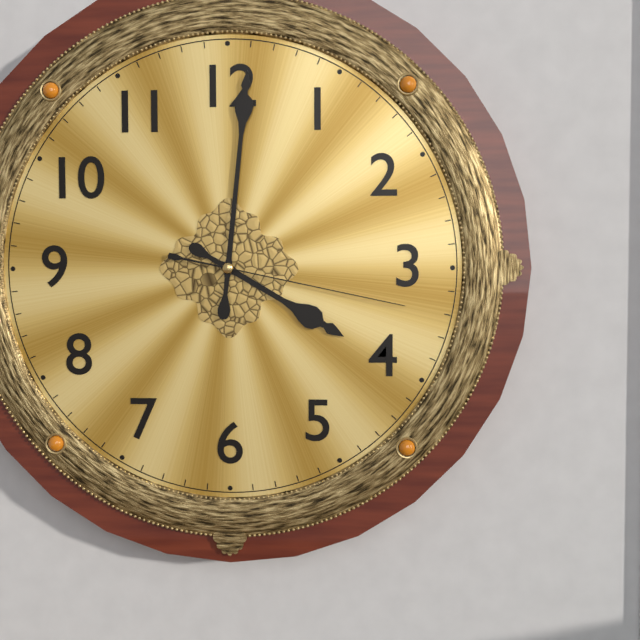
**4:01:17**
